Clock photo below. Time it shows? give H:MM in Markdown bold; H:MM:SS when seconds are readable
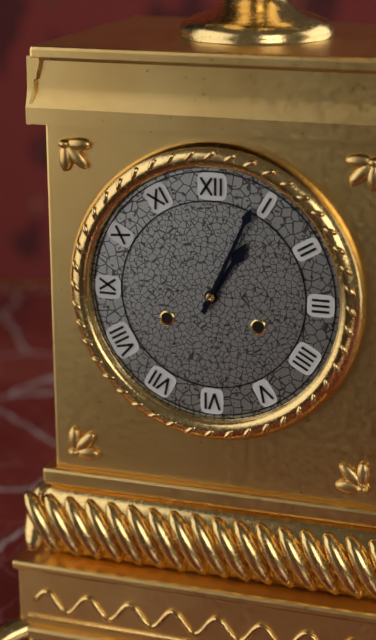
**1:04**
